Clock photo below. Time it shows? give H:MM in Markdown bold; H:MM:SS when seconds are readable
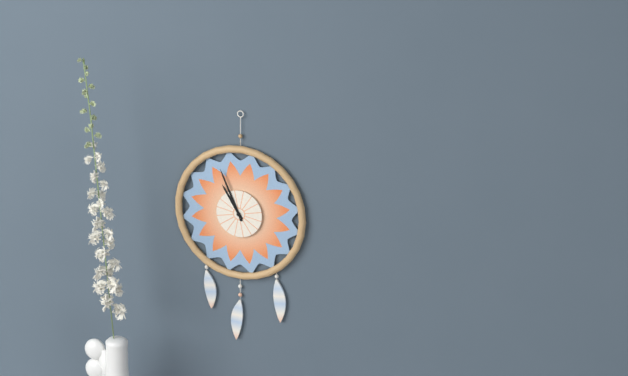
**10:56**
